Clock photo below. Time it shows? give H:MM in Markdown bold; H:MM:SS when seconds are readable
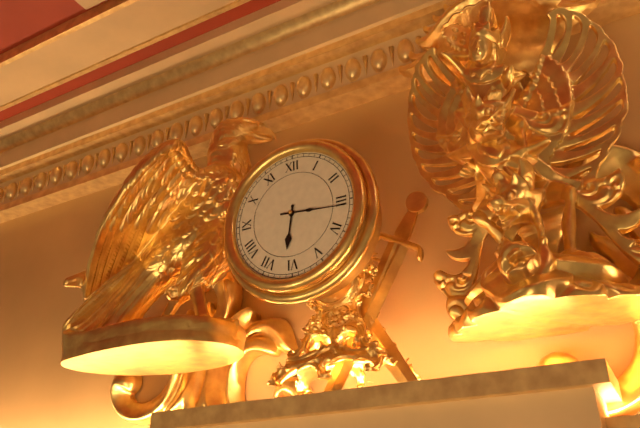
**6:16**
